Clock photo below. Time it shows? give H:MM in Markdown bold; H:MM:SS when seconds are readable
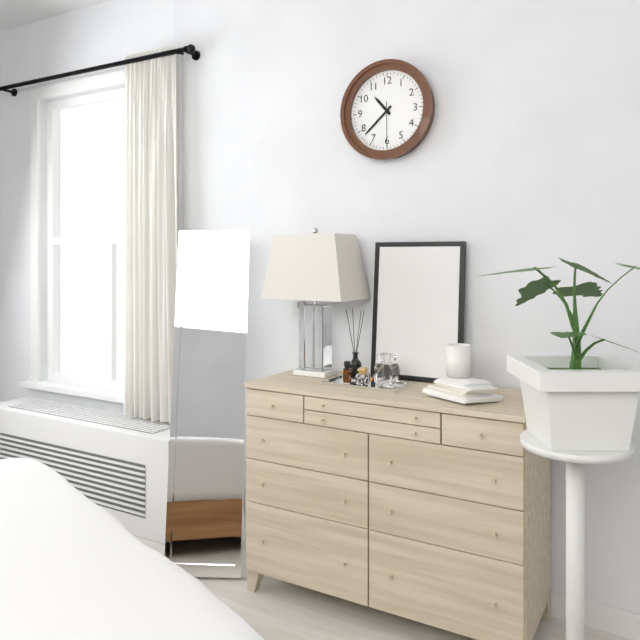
**10:38**
